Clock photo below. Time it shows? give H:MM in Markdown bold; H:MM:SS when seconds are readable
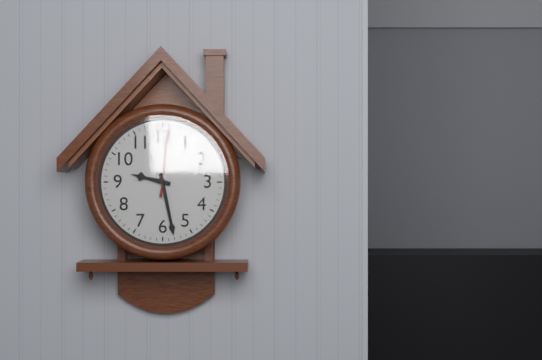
**9:28:01**
